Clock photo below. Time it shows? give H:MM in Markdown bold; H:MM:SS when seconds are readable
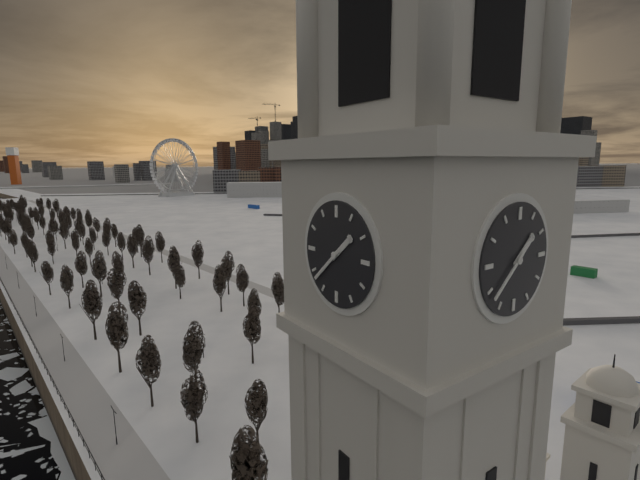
**1:38**
